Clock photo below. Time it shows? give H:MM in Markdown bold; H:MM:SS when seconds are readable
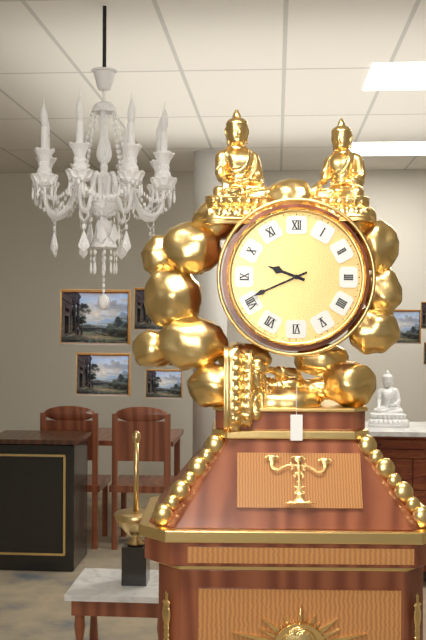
**9:41**
